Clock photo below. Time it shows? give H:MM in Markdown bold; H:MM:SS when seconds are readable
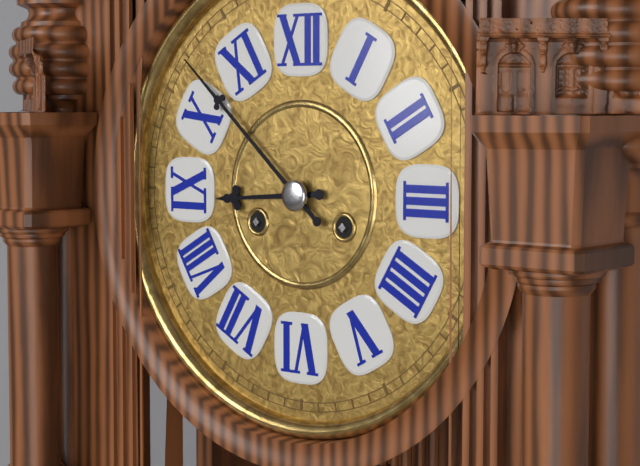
**8:52**
